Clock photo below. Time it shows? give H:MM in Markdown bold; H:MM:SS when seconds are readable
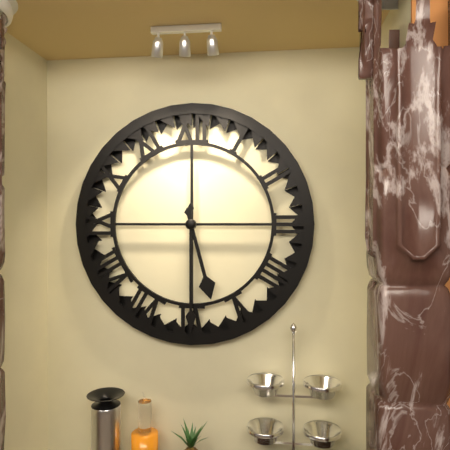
**5:30**
